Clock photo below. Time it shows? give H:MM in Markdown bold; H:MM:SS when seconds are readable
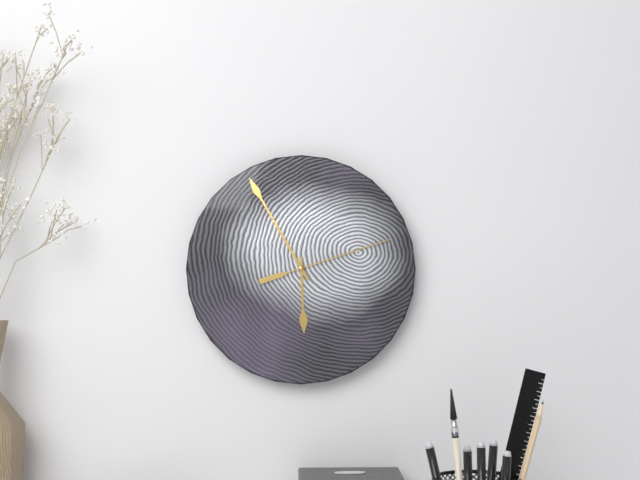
**5:55:12**
